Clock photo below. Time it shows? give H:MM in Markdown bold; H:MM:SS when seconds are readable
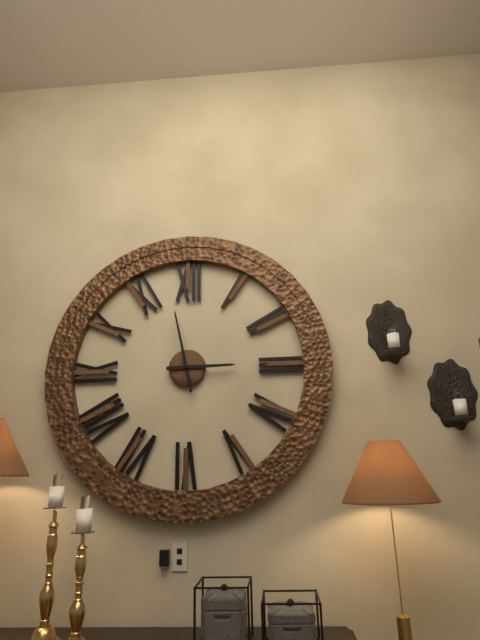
**2:58**
